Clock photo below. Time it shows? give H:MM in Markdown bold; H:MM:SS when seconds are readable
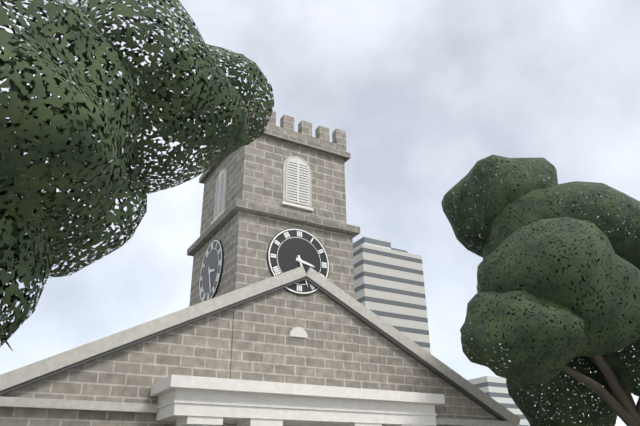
**3:27**
